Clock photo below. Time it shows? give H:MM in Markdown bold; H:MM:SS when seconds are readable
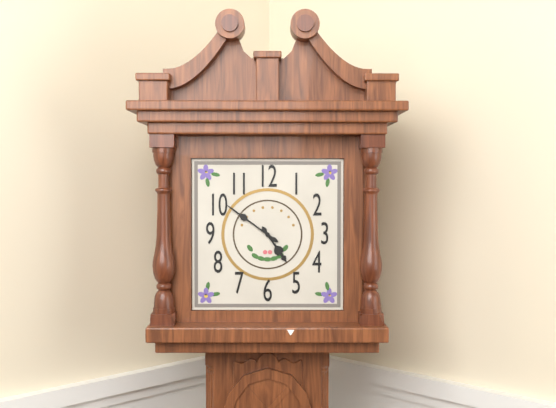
**4:51**
